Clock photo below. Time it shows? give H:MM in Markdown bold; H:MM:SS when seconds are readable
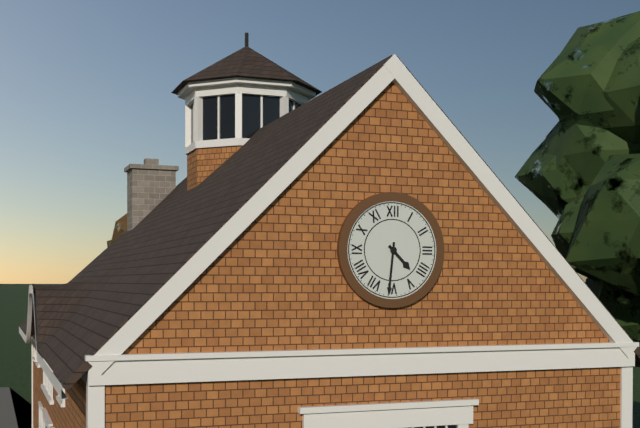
**4:31**
